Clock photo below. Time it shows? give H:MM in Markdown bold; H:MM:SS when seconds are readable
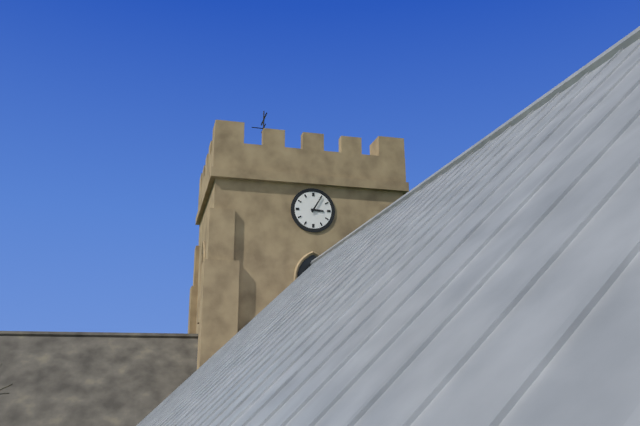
**3:05**
